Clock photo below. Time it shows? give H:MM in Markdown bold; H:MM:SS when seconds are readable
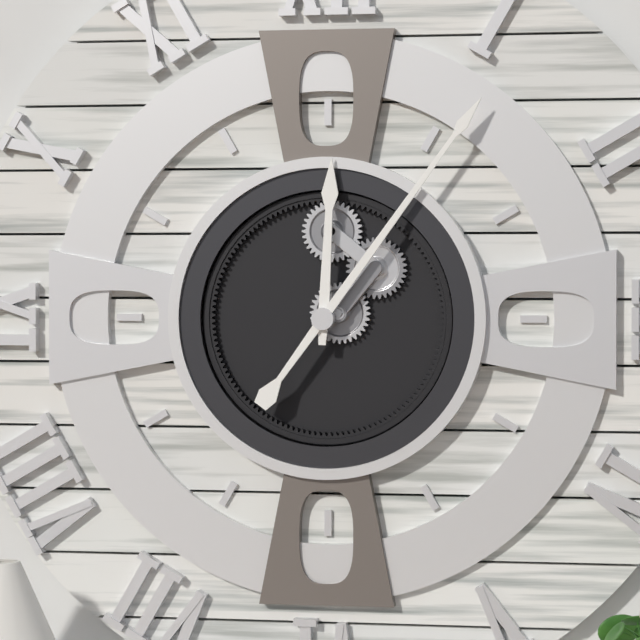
**12:06**
